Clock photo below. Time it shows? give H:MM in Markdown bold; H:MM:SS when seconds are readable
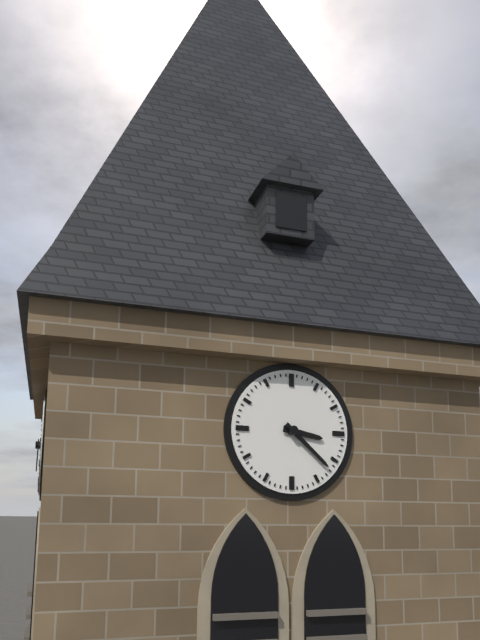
**3:22**
